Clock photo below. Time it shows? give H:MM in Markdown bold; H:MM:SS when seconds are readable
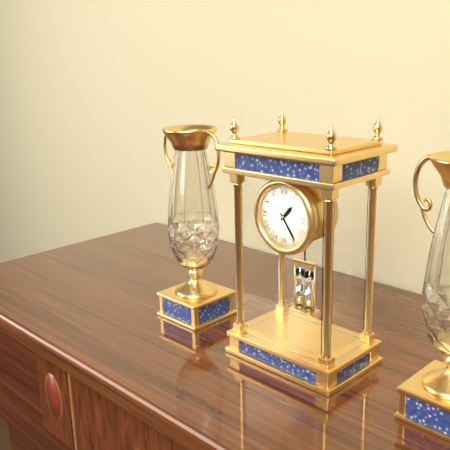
**1:24**
